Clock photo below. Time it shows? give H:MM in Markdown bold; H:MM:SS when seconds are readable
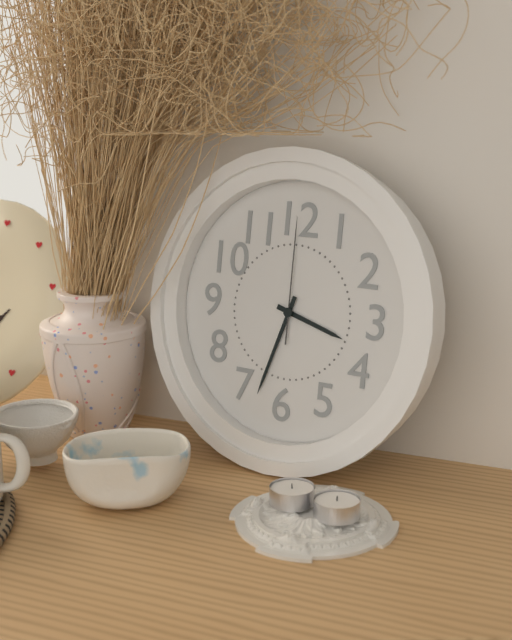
**3:33:00**
